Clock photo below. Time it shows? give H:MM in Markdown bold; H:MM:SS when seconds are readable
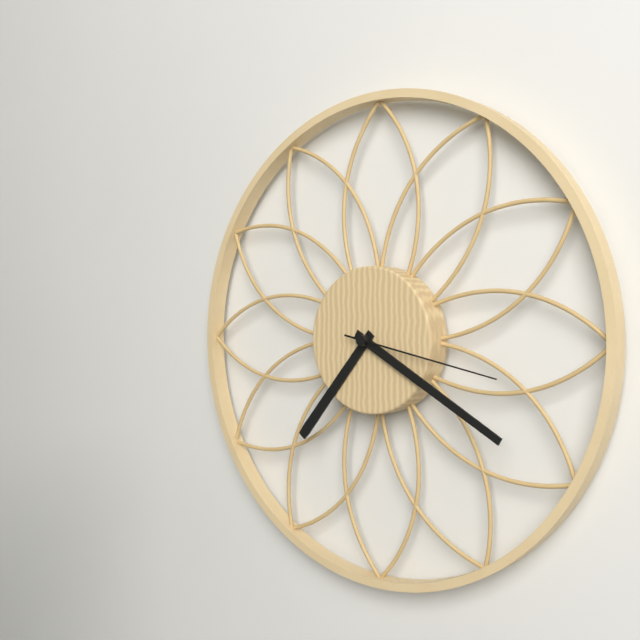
**7:20:17**
